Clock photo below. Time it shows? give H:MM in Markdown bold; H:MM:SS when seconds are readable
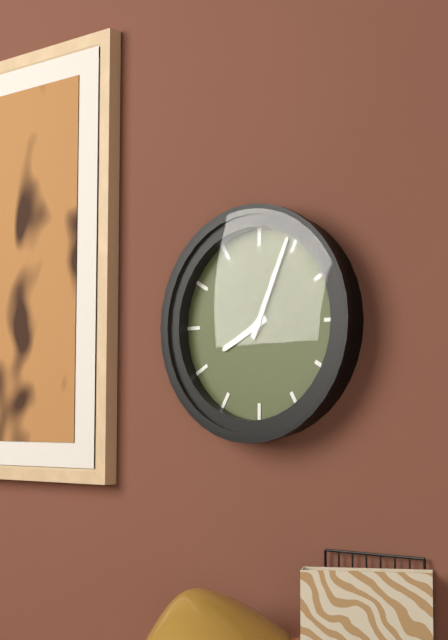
**8:04**
